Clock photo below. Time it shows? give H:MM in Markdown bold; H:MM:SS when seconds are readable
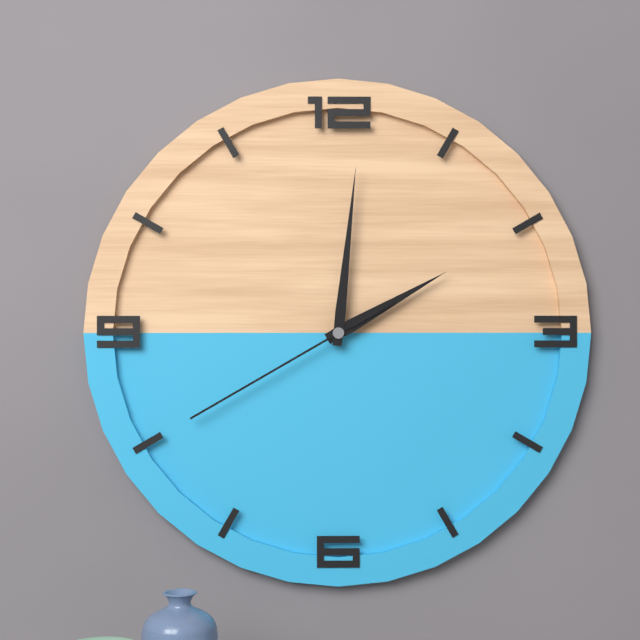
**2:01:40**
